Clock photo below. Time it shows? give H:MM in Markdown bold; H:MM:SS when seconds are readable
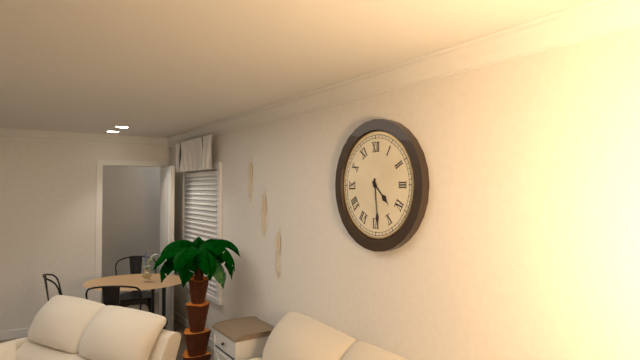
**4:29**
